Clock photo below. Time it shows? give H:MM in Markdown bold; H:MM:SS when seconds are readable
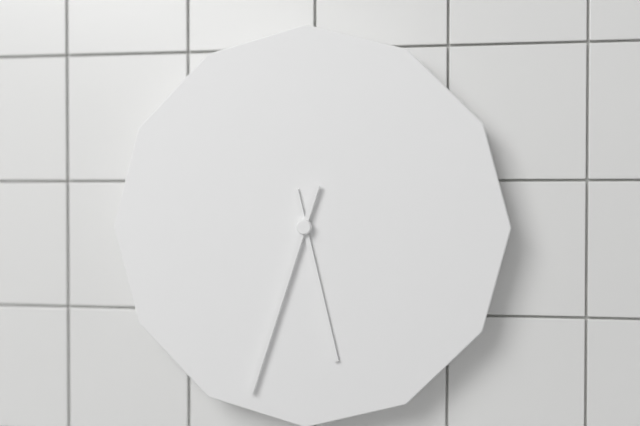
**5:33**
